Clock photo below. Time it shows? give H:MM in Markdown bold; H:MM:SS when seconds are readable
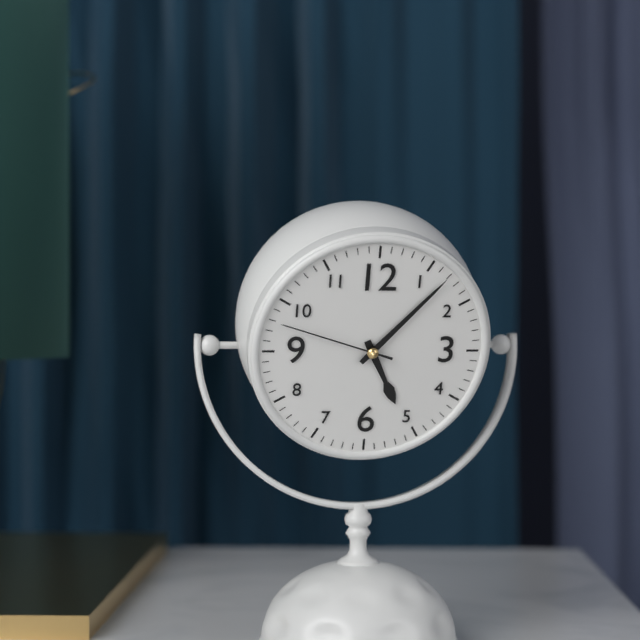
**5:07:48**
